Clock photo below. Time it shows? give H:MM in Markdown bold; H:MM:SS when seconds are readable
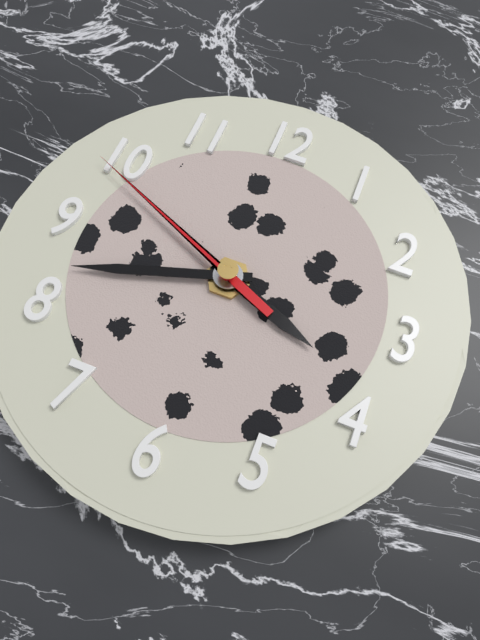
**3:42:49**
